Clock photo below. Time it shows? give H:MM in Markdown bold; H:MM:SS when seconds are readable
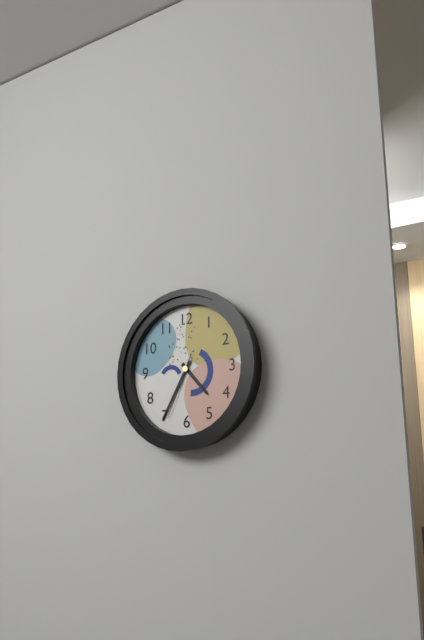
**4:35:34**
